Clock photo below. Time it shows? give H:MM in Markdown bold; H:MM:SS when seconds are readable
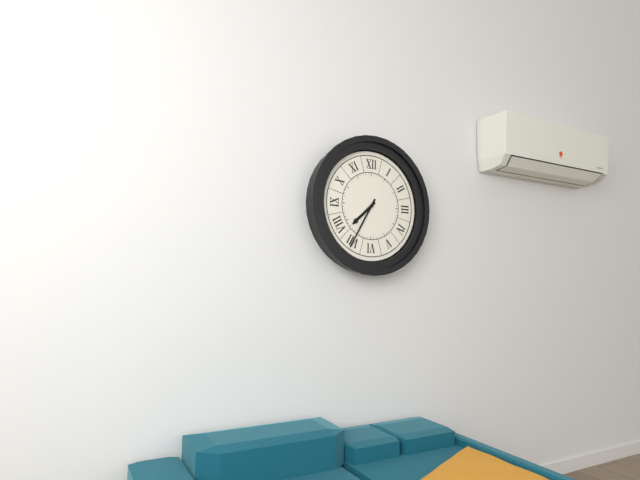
**7:35**
